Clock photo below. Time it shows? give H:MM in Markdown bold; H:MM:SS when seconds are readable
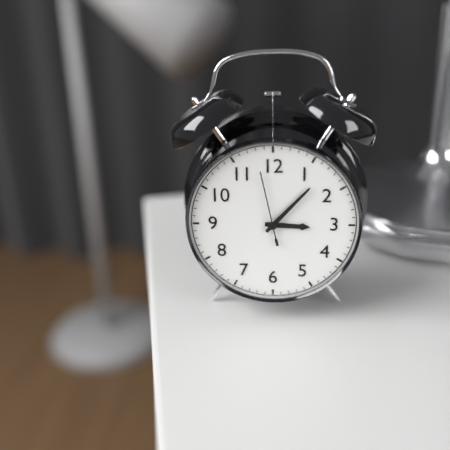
**3:07:58**
